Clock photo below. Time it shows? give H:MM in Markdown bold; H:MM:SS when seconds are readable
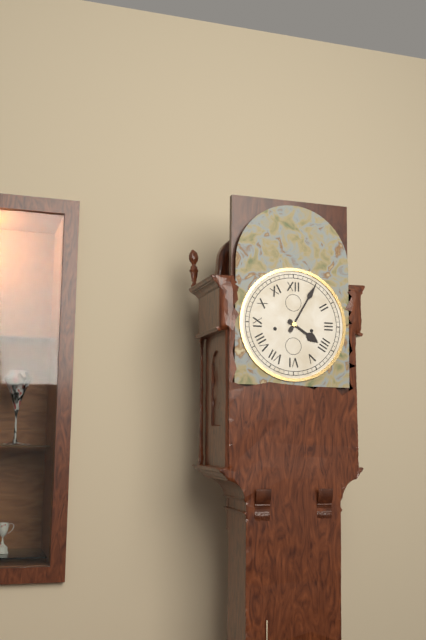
**4:05**
